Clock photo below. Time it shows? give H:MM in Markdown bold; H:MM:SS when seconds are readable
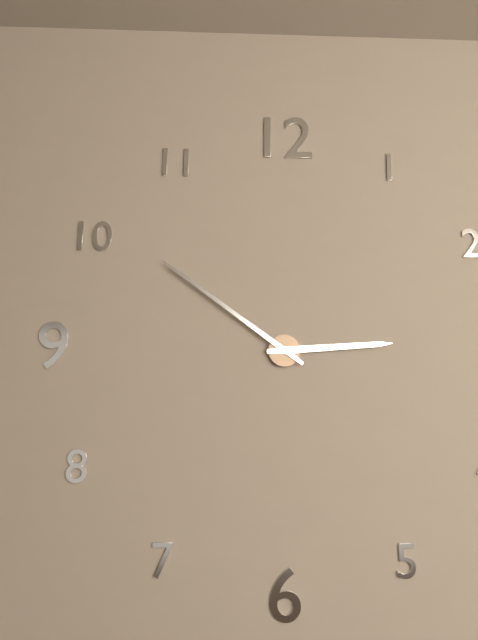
**2:51**
